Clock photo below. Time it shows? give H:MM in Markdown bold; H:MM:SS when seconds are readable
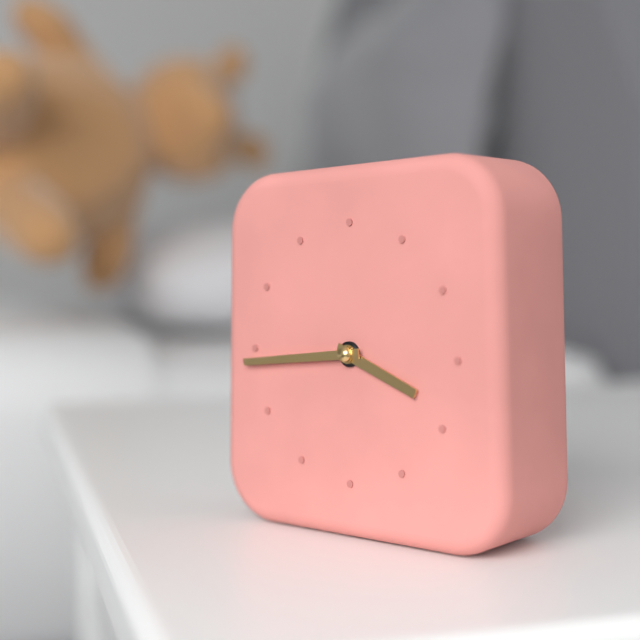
**3:44**
